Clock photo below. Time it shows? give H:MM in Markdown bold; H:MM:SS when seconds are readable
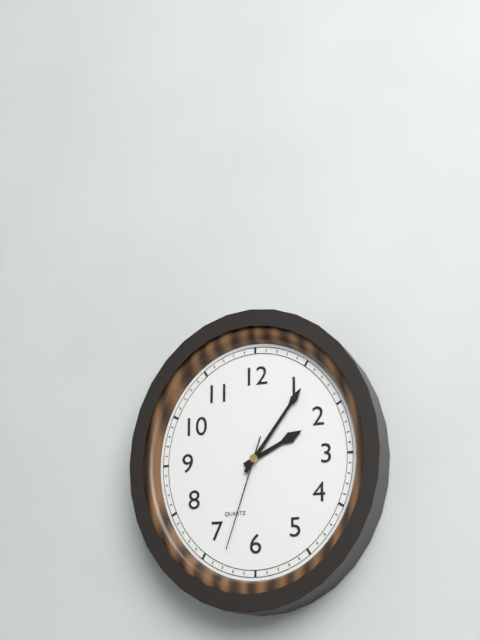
**2:06:33**
